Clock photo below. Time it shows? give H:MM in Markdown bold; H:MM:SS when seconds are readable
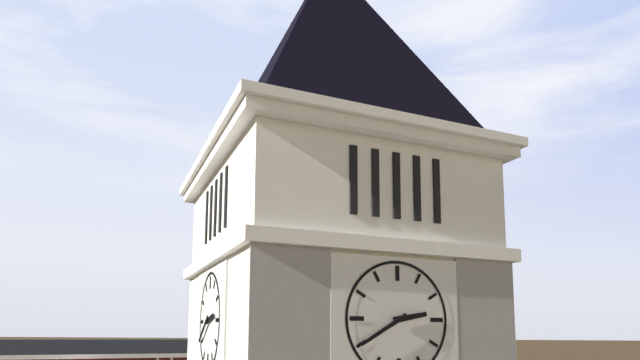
**2:40**
